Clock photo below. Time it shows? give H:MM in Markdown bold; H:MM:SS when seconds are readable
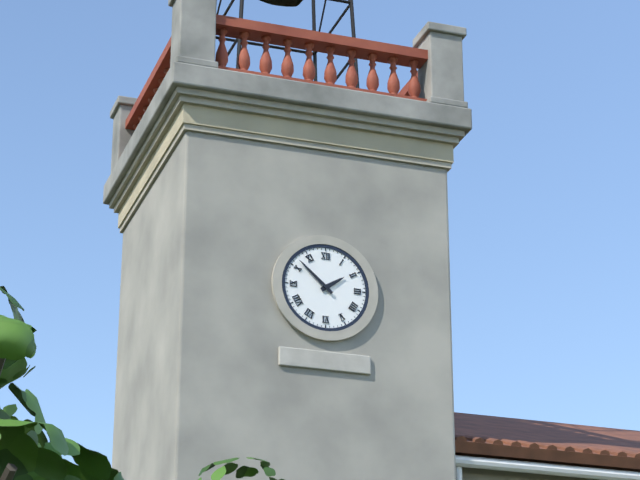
**1:52**
